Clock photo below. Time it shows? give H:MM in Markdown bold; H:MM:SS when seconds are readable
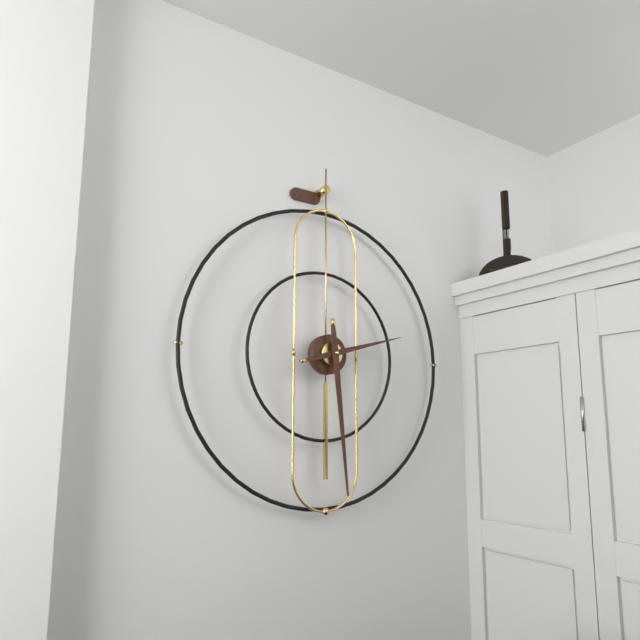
**2:29**
